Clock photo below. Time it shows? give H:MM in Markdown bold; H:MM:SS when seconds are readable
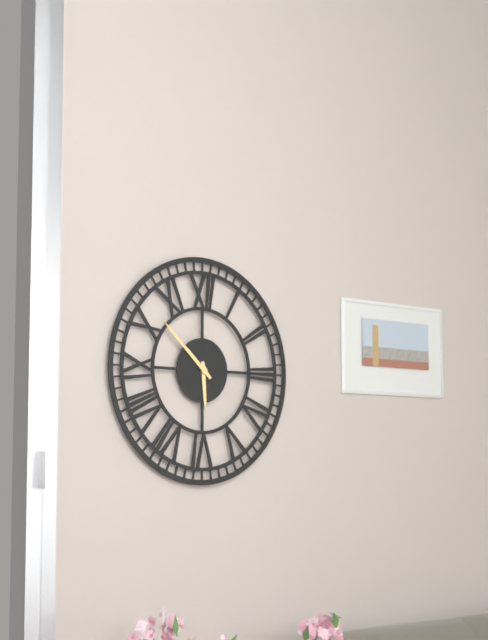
**5:52**
